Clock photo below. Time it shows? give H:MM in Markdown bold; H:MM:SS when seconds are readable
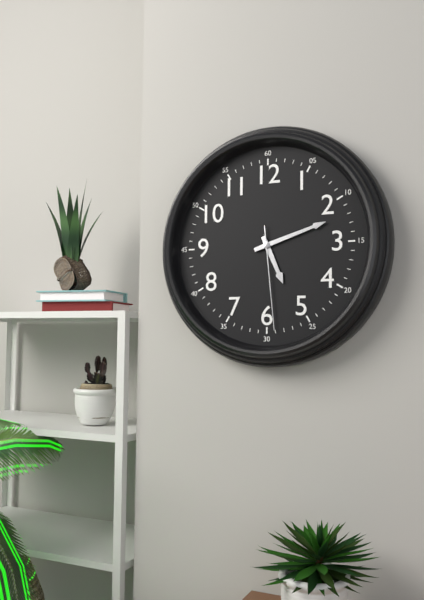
**5:12:29**
